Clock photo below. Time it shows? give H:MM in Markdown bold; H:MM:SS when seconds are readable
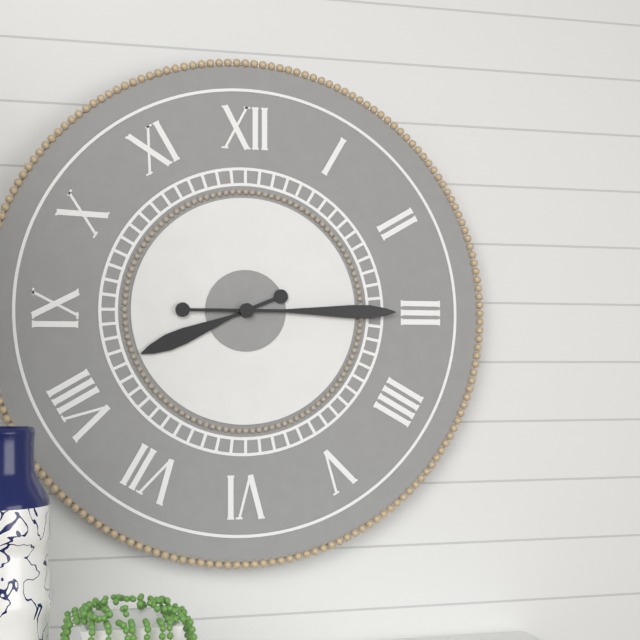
**8:15**
